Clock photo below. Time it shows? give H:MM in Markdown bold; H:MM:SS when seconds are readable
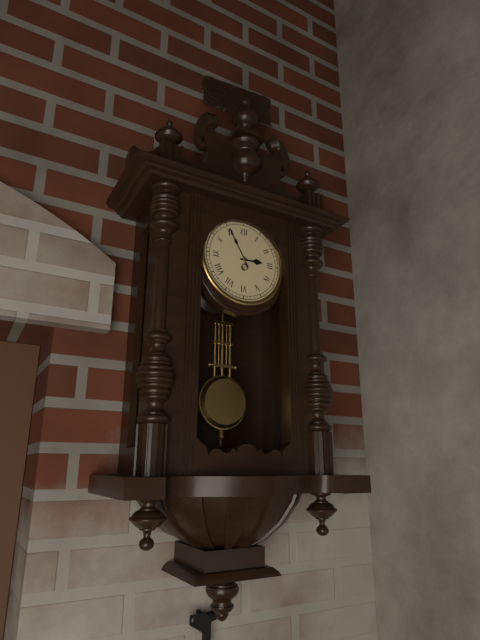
**2:55**
